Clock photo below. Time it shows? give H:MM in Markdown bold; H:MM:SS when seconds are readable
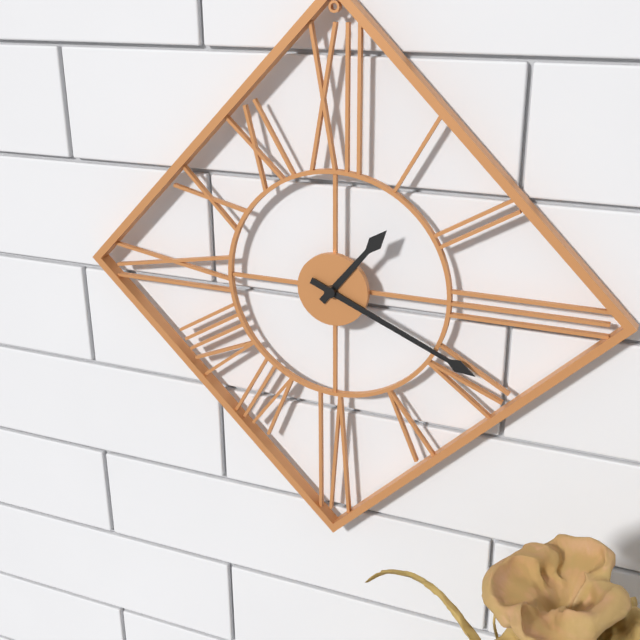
**1:19**
